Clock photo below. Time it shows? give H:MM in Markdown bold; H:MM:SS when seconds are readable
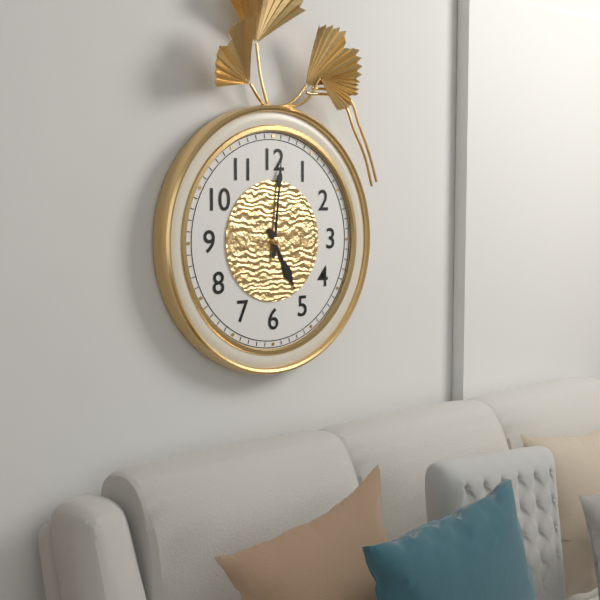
**5:01**
